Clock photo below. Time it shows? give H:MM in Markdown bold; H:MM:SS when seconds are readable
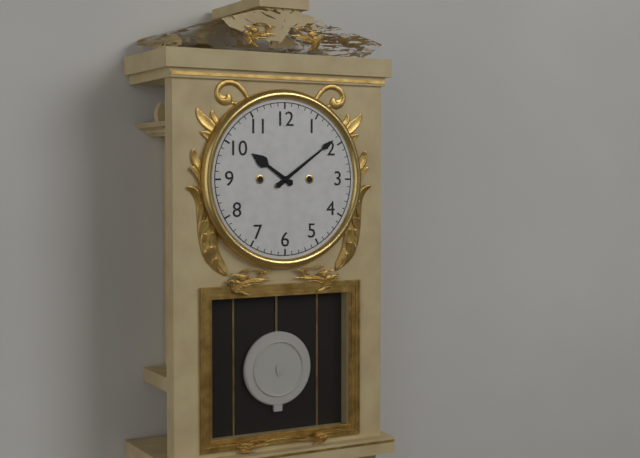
**10:09**
